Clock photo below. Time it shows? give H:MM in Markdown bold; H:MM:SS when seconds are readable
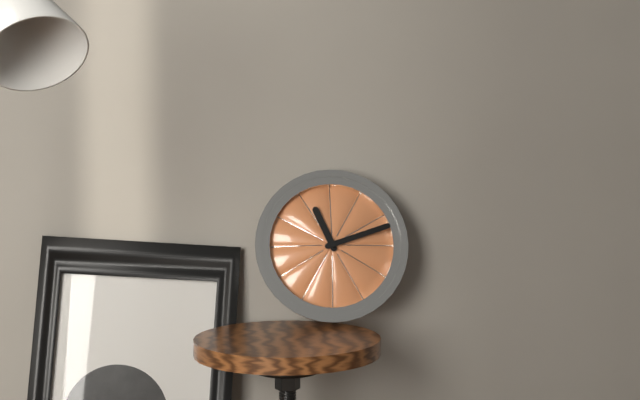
**11:12**
